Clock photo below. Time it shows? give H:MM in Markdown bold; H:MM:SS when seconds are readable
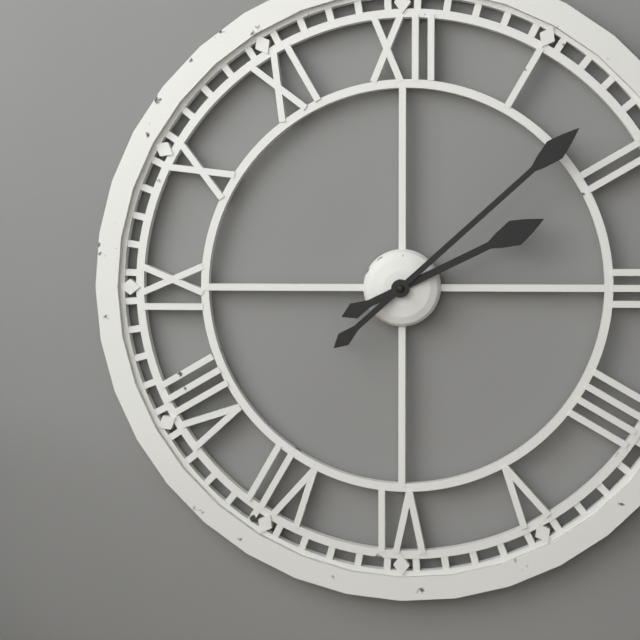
**2:08**
